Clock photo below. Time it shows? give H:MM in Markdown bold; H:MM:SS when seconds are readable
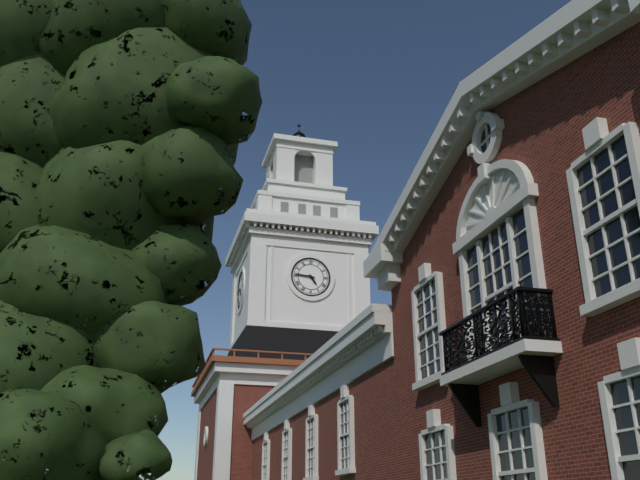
**4:46**
